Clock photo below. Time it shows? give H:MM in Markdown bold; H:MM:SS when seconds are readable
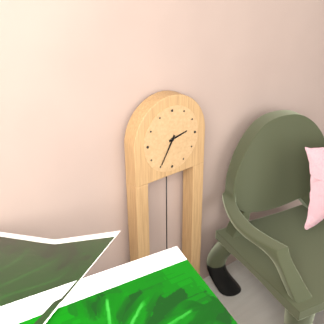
**2:35**
